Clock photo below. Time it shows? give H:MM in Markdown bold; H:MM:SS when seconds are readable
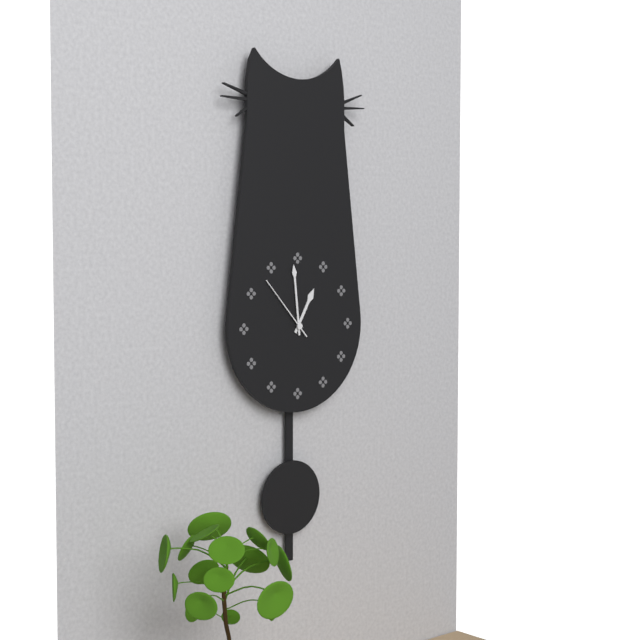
**12:59:53**
